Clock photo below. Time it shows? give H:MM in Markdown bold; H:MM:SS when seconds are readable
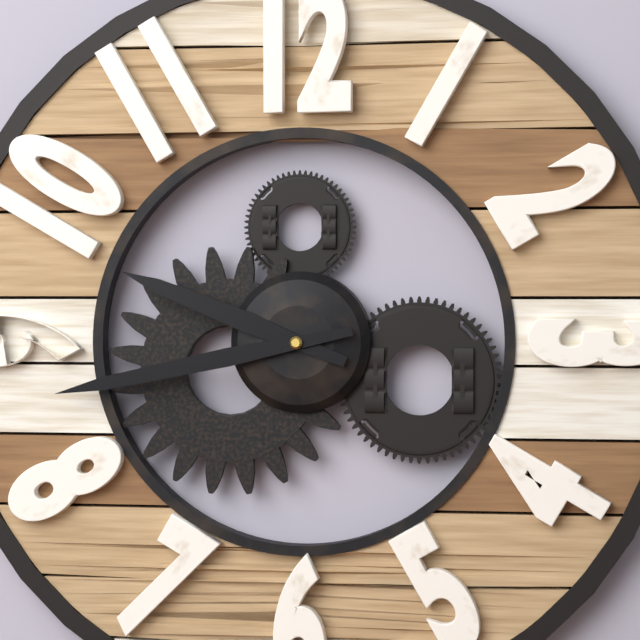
**9:43**
